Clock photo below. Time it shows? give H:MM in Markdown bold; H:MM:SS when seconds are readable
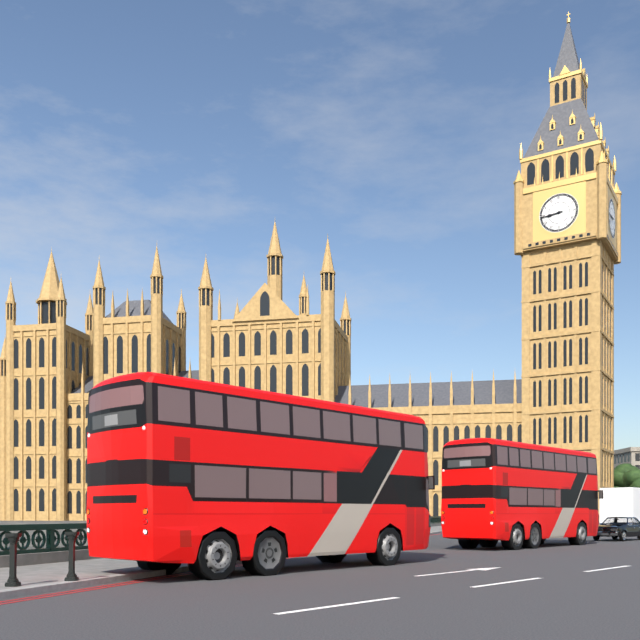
**8:44**
